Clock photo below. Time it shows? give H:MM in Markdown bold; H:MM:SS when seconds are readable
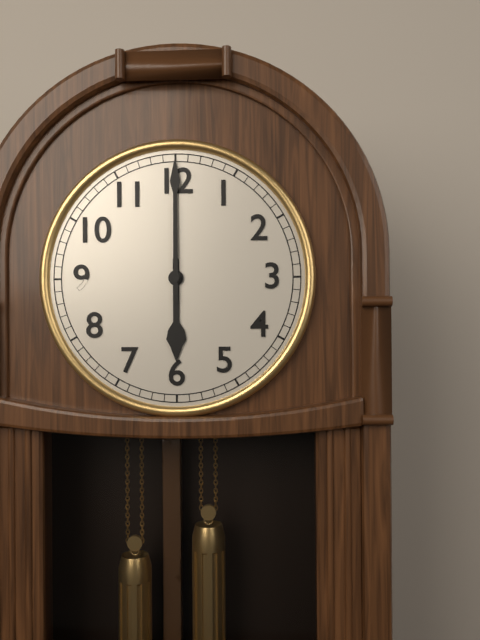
**6:00**
